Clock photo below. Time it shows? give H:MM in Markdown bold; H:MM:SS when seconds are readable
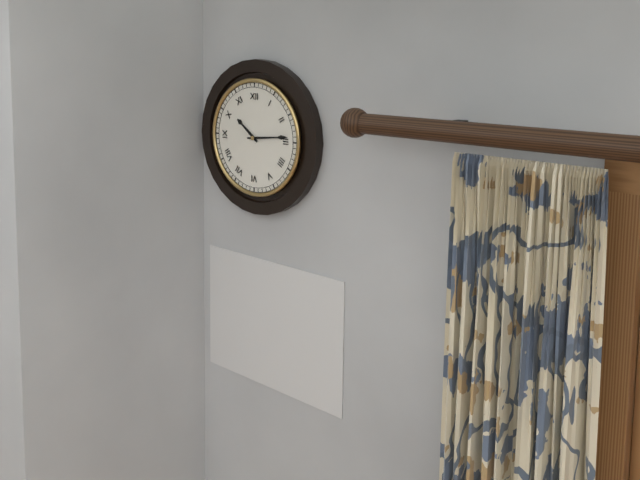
**10:14**
